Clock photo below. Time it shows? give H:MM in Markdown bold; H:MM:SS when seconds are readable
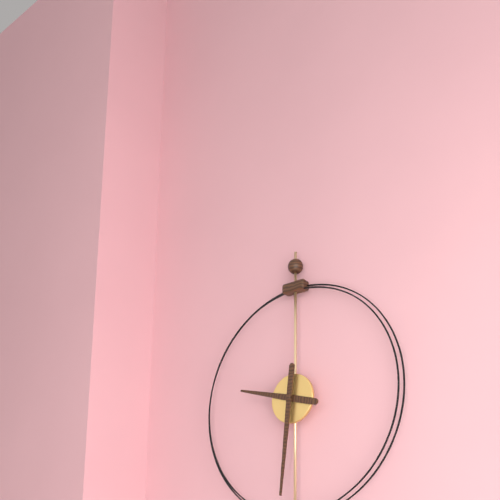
**9:31**
